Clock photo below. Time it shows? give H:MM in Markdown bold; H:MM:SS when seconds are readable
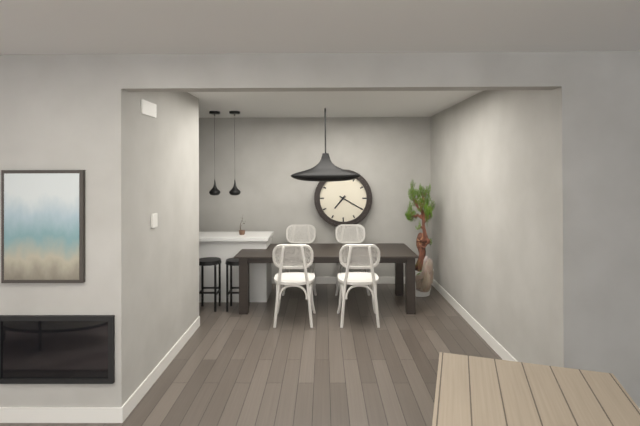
**7:20**
